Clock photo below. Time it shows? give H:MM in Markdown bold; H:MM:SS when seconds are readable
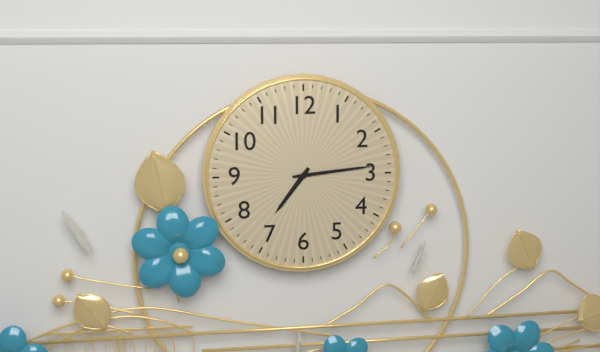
**7:14**
